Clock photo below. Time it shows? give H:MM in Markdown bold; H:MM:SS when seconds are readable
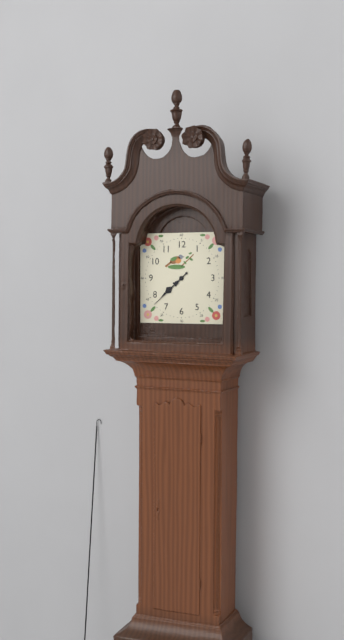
**7:38**
